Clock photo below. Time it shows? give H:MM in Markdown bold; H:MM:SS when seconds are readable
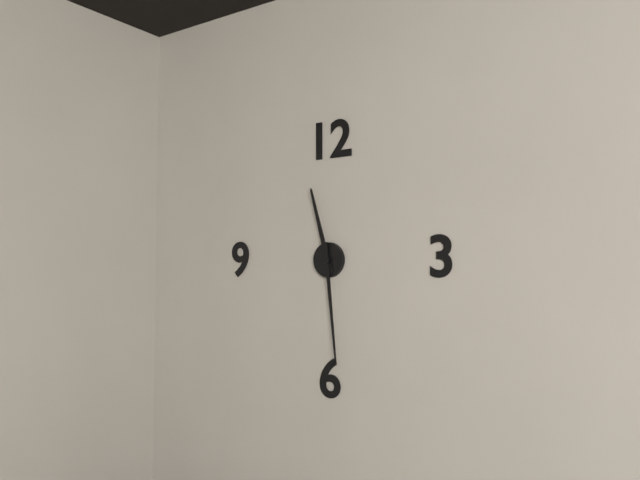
**11:29**
